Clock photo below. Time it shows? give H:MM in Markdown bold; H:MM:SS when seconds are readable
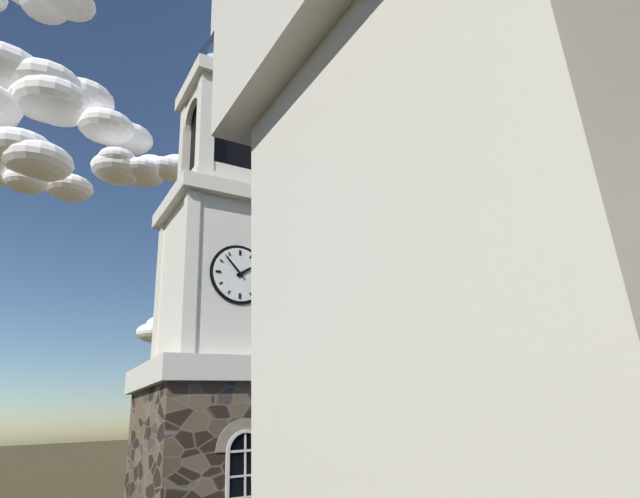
**1:53**
